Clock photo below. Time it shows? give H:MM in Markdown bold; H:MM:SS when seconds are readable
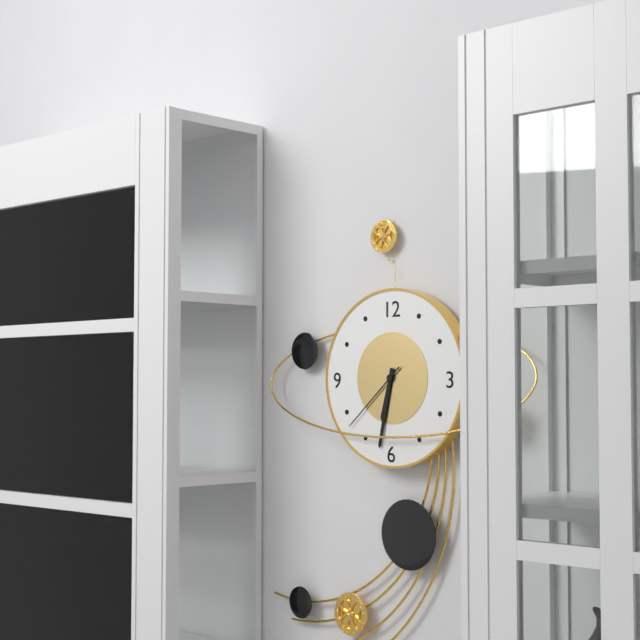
**6:32:38**
